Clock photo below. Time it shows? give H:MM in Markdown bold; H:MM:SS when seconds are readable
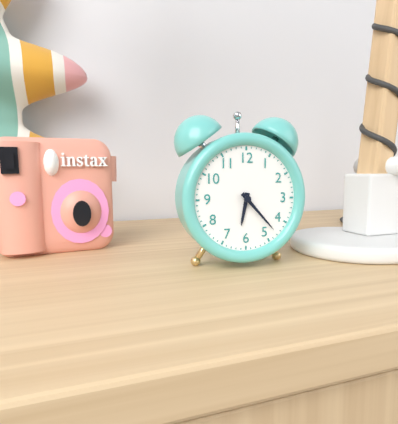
**6:23**
